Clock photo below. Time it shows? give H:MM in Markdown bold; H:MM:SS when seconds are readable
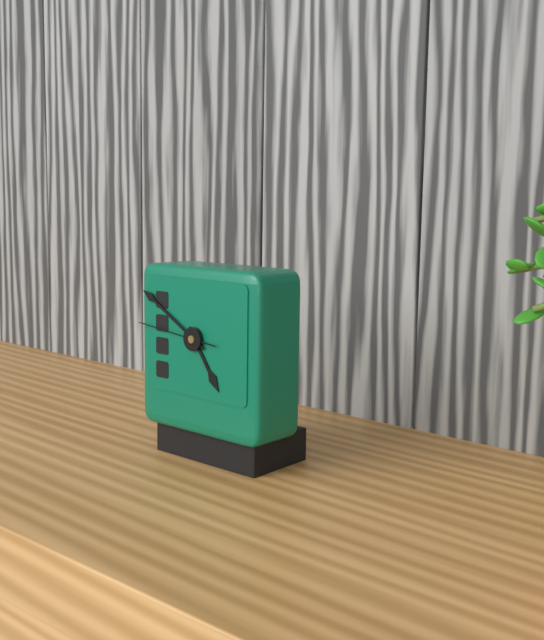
**4:50:46**
